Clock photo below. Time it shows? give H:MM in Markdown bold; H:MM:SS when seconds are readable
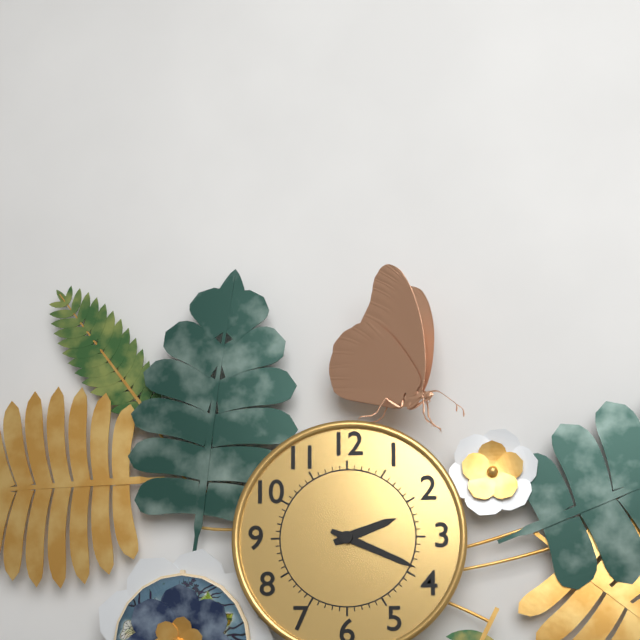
**2:19**
